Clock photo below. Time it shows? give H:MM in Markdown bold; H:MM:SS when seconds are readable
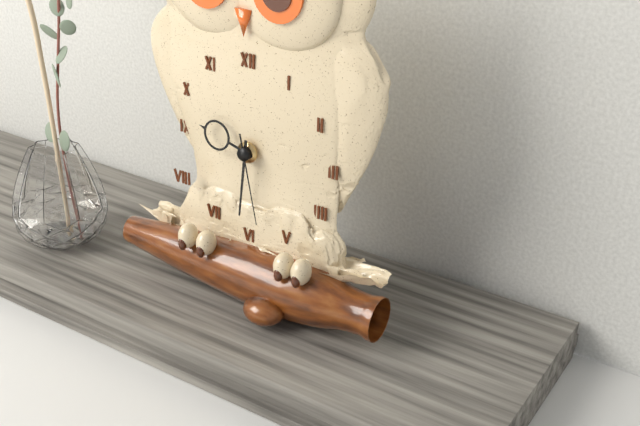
**9:31:28**
